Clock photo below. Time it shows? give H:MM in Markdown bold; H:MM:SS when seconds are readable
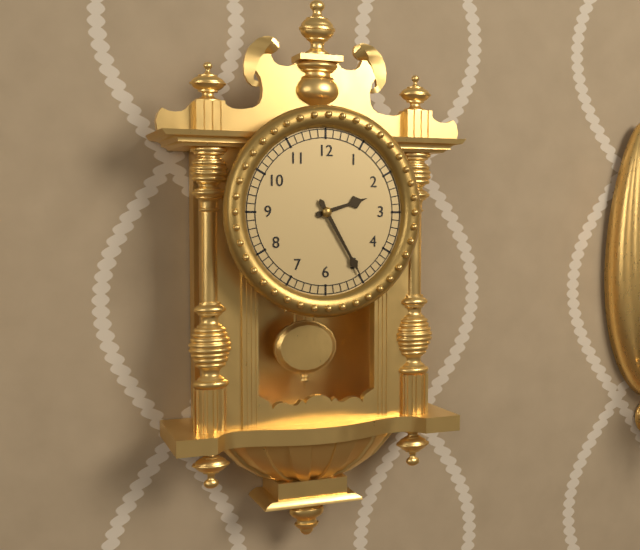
**2:25**
